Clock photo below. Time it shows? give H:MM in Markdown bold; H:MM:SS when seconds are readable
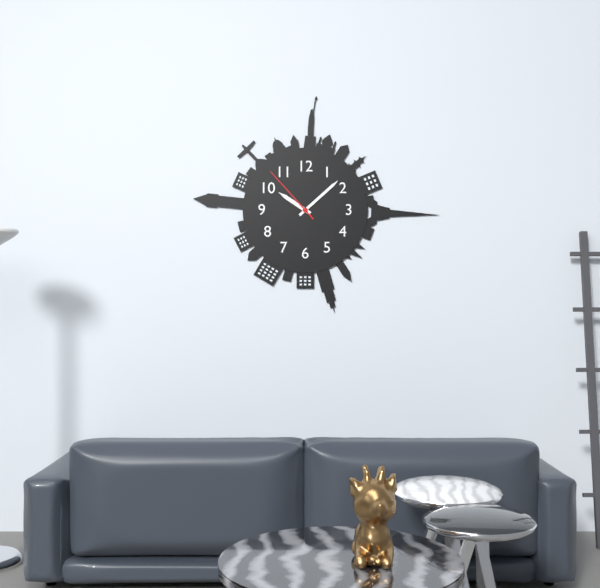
**10:08:53**
